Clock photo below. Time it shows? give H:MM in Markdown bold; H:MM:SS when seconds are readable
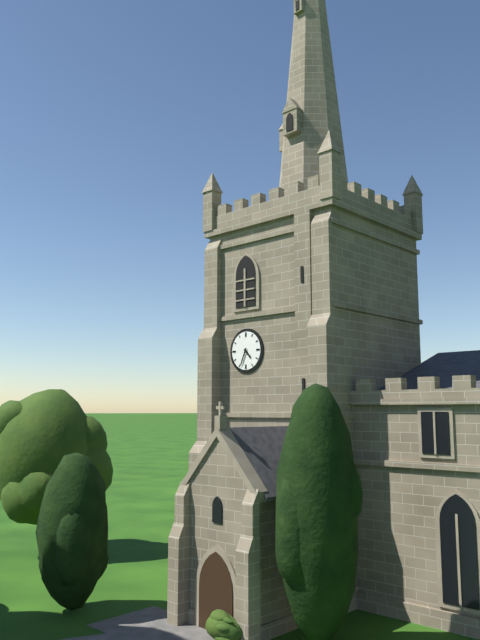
**4:34**
